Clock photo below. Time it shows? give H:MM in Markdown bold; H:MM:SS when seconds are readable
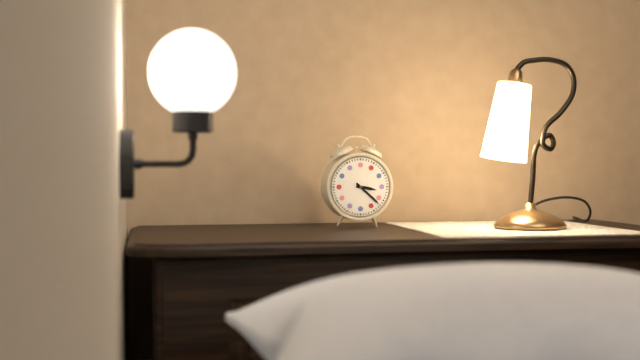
**3:22**
